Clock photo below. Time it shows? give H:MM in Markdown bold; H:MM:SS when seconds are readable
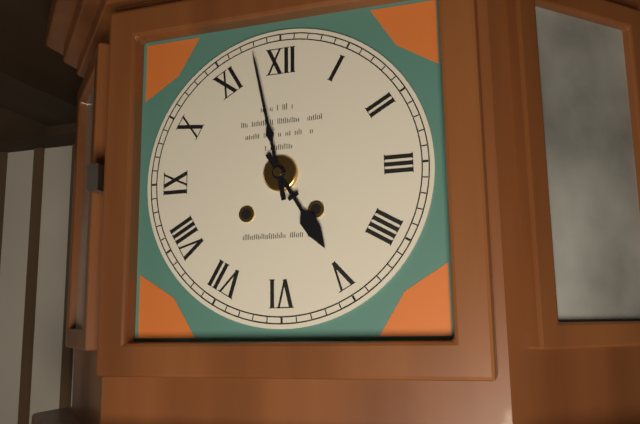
**4:58**
